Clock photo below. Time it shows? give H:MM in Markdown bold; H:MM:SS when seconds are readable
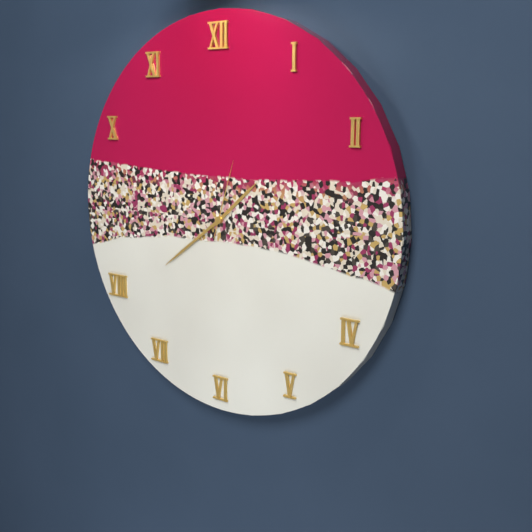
**1:39:03**
